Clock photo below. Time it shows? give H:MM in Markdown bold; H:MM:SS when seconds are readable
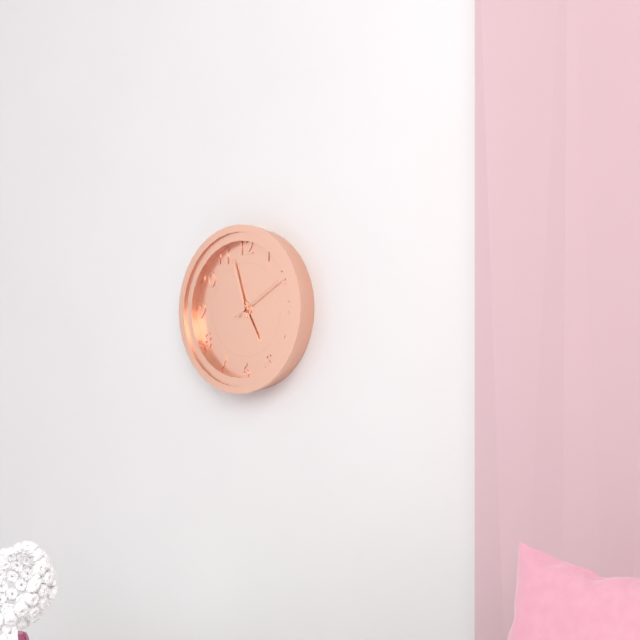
**4:57:10**
